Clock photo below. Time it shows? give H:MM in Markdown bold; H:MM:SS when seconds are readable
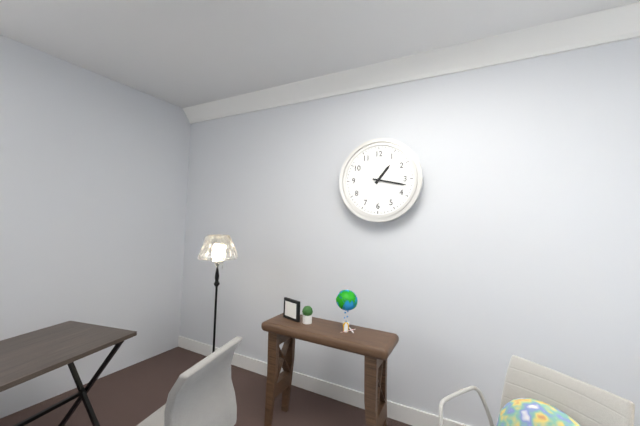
**1:17**
